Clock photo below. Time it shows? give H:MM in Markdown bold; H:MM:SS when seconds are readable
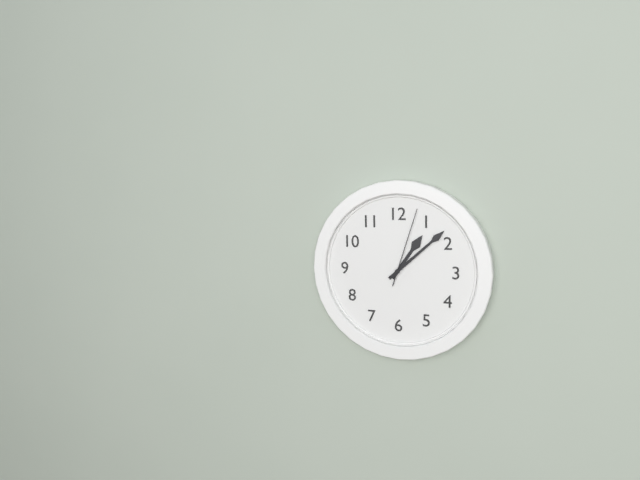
**1:08:03**
